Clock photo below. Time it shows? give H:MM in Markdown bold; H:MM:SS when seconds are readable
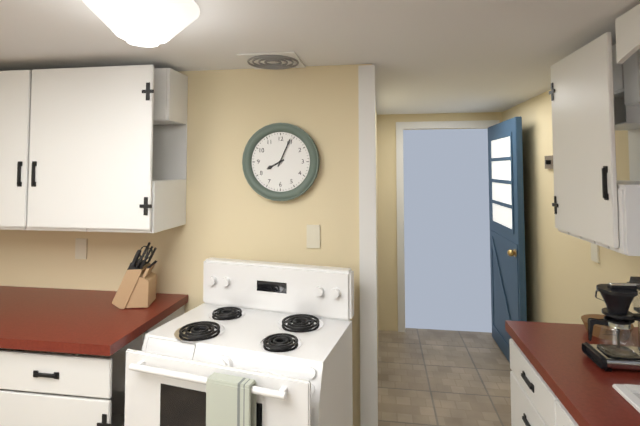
**8:04**
